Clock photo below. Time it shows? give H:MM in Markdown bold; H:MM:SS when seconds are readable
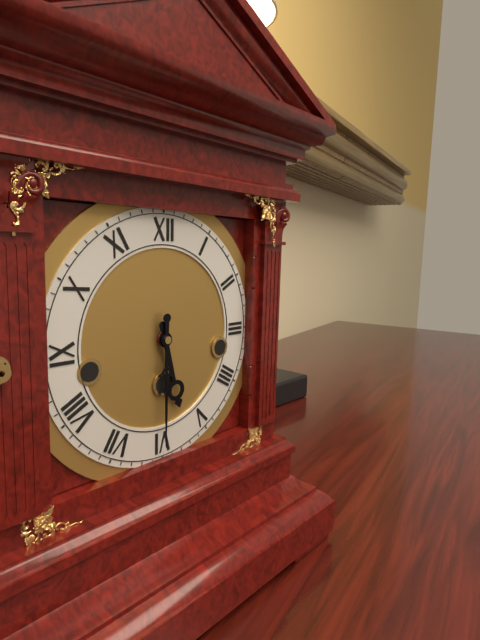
**5:30**
